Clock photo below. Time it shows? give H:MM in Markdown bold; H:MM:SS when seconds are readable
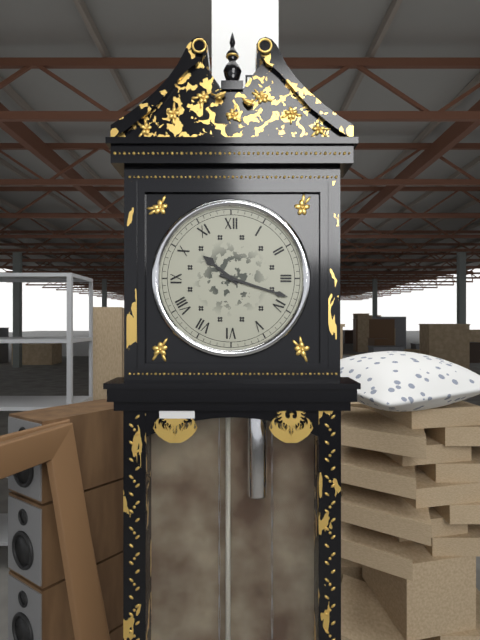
**10:18**
